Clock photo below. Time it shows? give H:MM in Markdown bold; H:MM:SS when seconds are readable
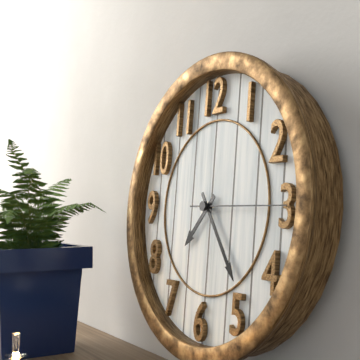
**7:24:15**
